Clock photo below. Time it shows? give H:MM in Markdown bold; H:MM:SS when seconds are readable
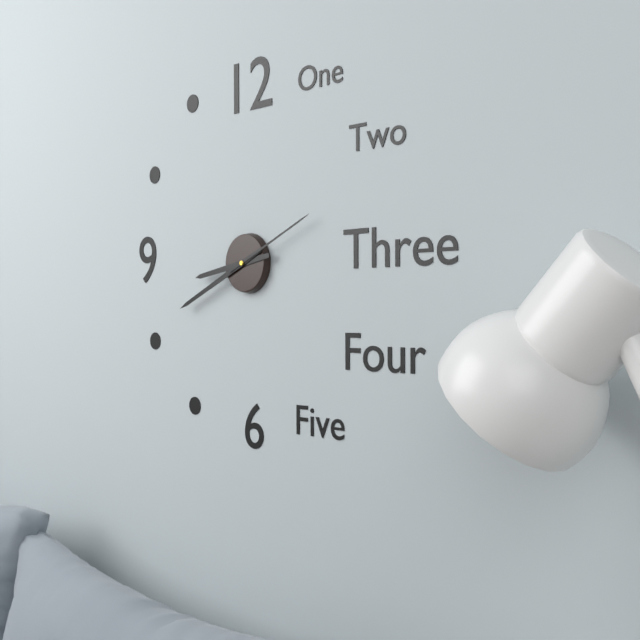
**8:41:11**
